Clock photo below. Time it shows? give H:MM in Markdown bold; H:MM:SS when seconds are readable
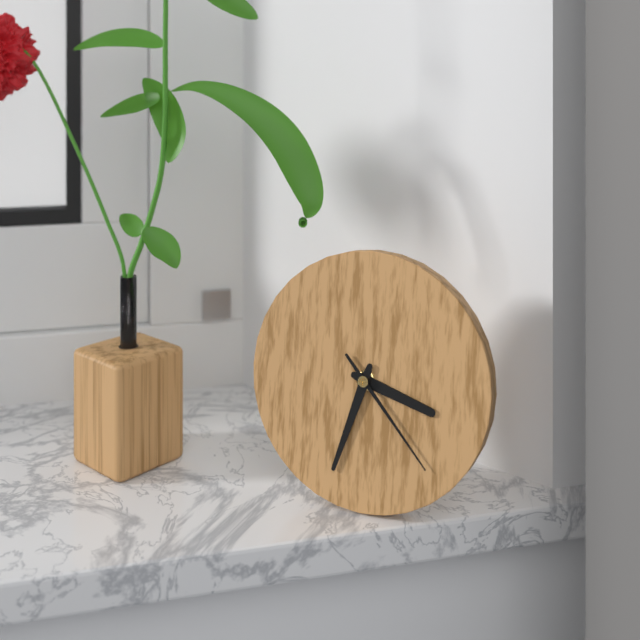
**3:33:23**
